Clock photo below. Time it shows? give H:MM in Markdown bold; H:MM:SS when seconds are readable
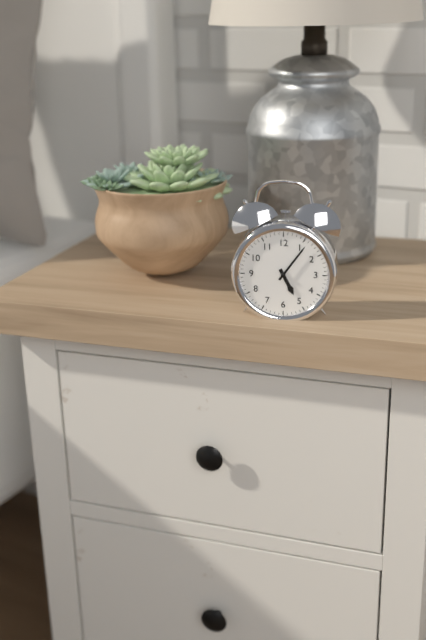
**5:06**
